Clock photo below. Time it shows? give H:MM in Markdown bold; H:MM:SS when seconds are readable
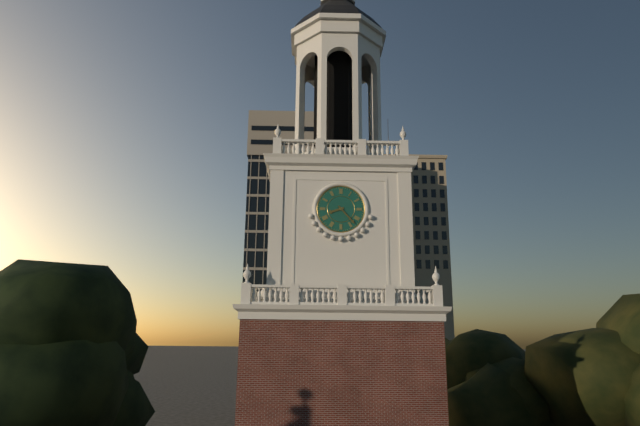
**8:23**
